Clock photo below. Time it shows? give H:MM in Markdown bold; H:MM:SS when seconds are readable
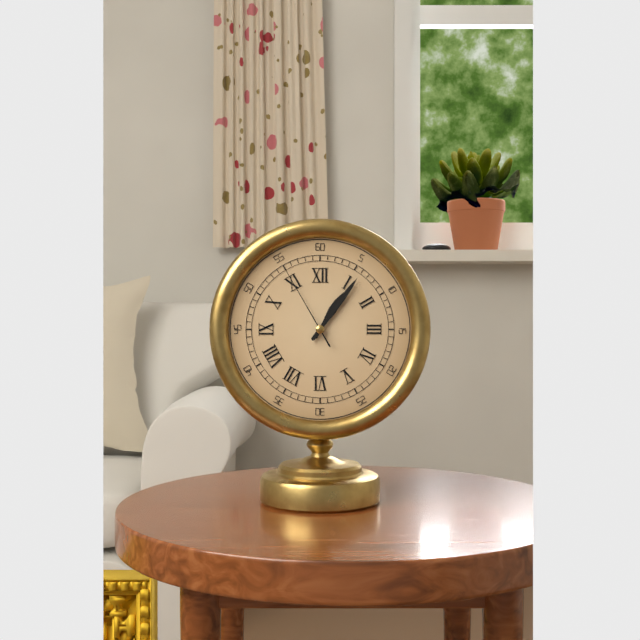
**1:06:55**
